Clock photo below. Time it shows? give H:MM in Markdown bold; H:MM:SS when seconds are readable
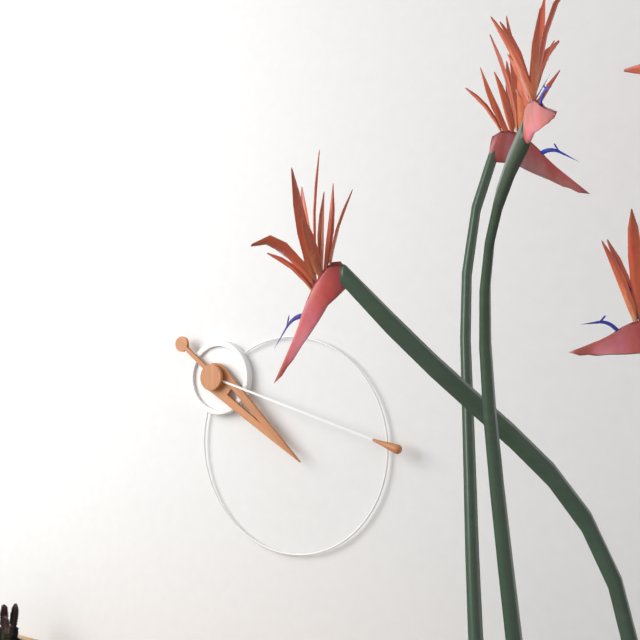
**4:18**
